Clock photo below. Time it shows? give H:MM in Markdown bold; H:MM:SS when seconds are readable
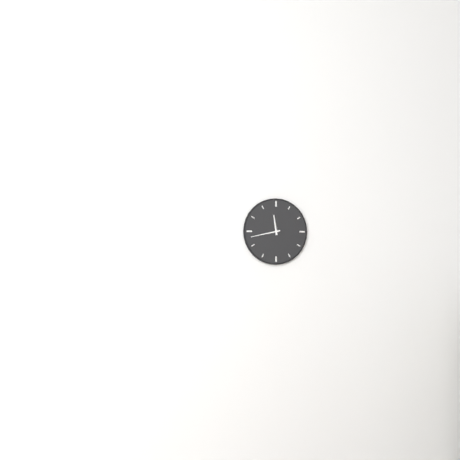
**11:43**
